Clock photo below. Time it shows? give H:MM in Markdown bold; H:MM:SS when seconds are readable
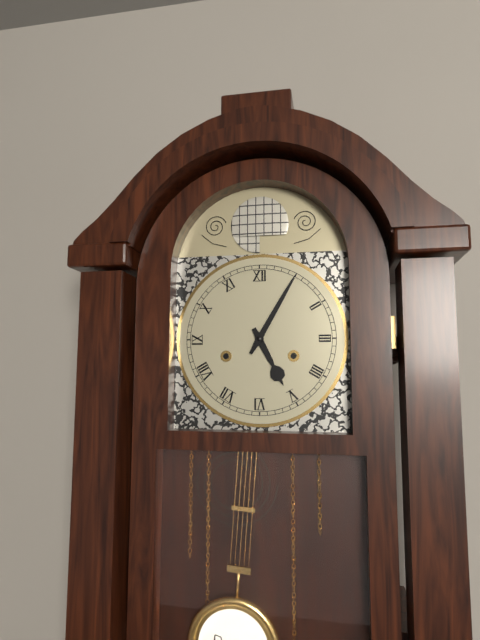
**5:05**
